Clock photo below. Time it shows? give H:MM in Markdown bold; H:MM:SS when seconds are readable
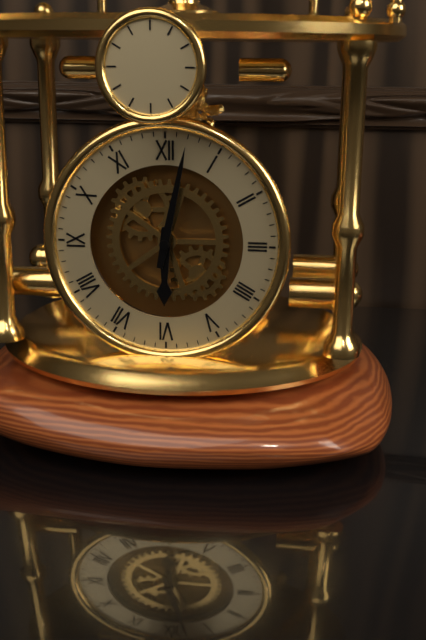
**6:02**
